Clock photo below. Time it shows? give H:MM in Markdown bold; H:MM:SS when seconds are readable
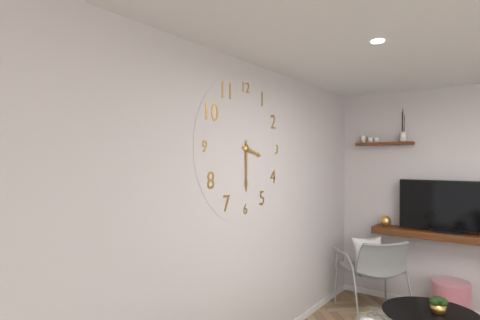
**3:30**
